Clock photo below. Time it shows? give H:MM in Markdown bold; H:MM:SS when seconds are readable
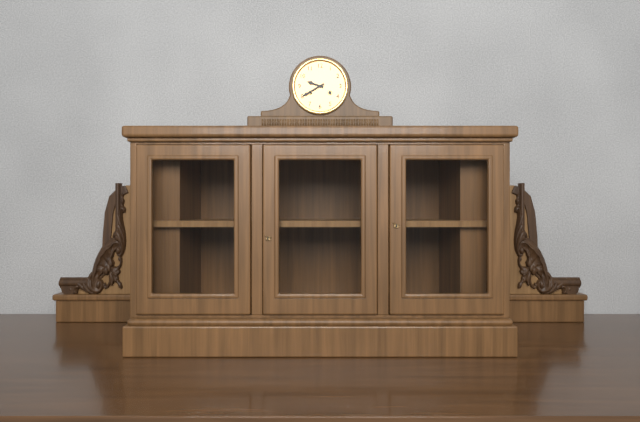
**9:40**
